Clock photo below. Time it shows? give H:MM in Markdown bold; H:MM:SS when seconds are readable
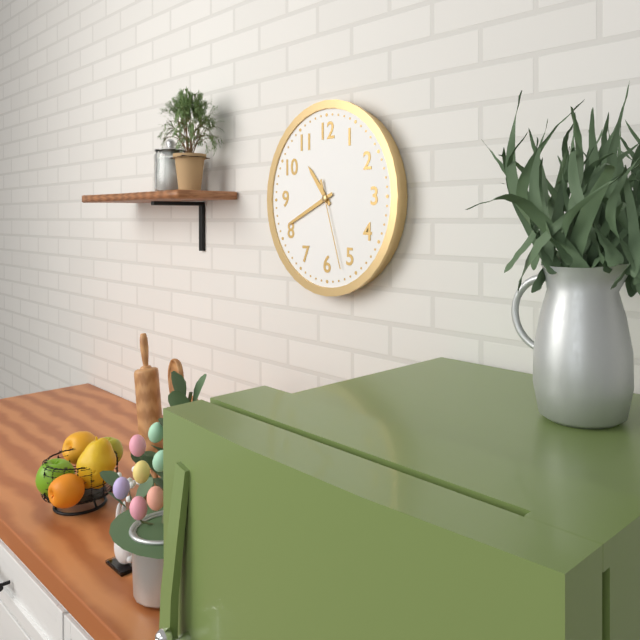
**10:41:27**
